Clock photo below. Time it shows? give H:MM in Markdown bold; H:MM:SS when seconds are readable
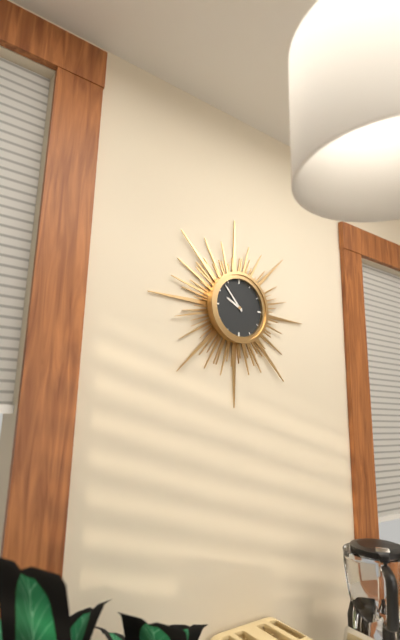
**9:53**
